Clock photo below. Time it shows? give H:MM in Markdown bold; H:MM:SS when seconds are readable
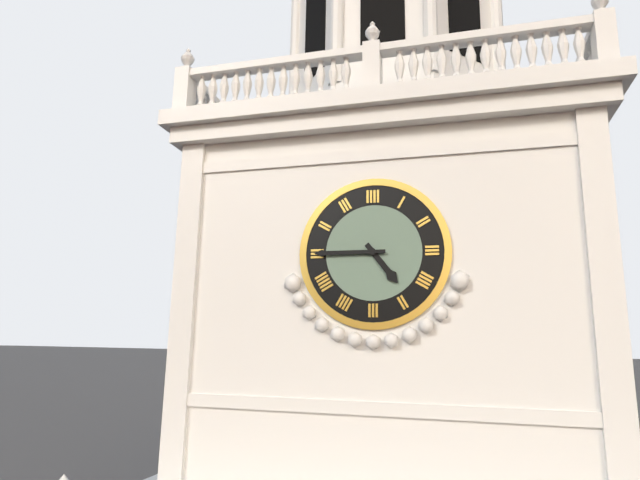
**4:45**
